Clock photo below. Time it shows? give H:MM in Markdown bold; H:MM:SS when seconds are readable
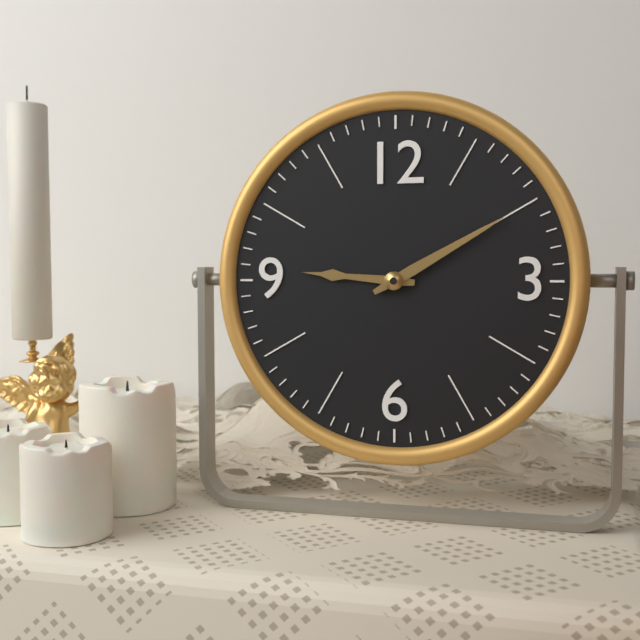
**9:10**
